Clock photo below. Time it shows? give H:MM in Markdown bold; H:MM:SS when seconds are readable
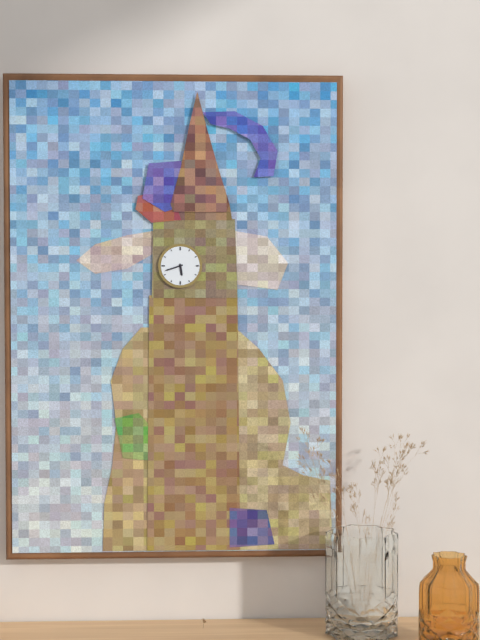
**5:42**
